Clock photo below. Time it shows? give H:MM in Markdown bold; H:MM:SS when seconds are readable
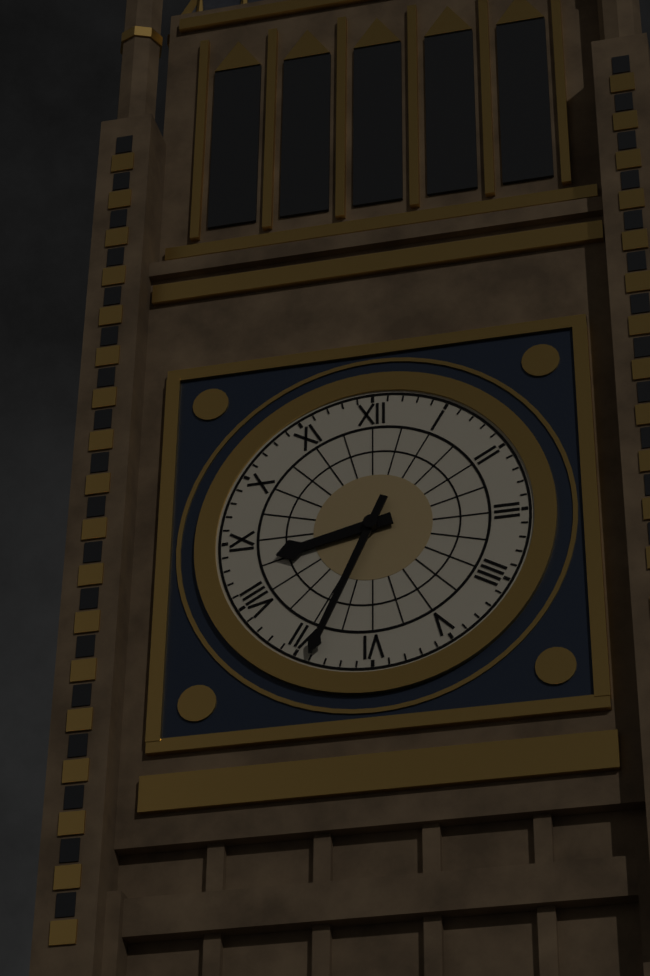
**8:34**
